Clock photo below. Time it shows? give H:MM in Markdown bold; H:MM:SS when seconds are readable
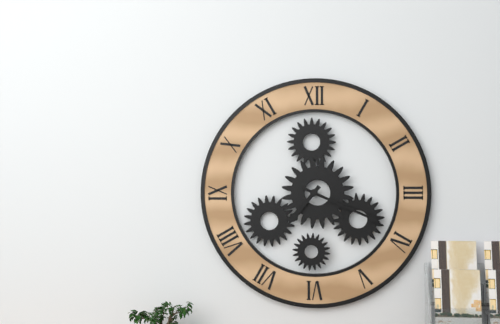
**7:19**
